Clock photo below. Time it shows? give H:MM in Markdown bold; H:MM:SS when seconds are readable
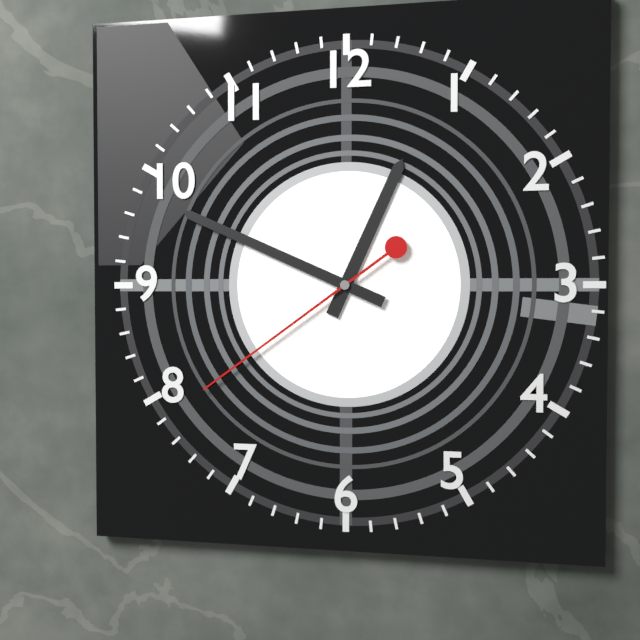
**12:49:39**
